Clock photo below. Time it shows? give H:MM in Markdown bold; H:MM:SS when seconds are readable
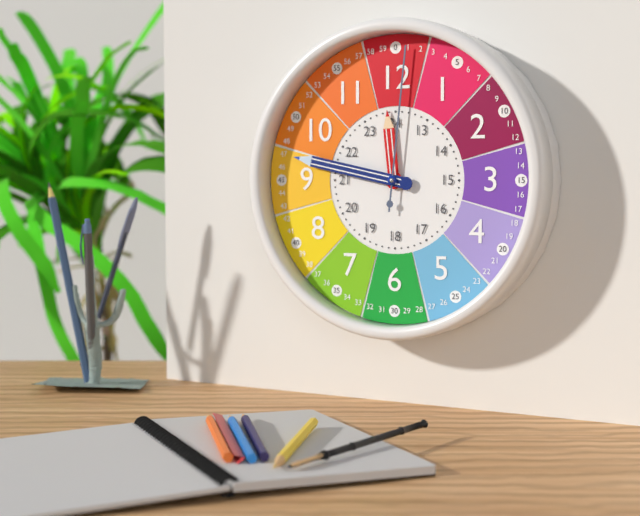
**11:47:01**
